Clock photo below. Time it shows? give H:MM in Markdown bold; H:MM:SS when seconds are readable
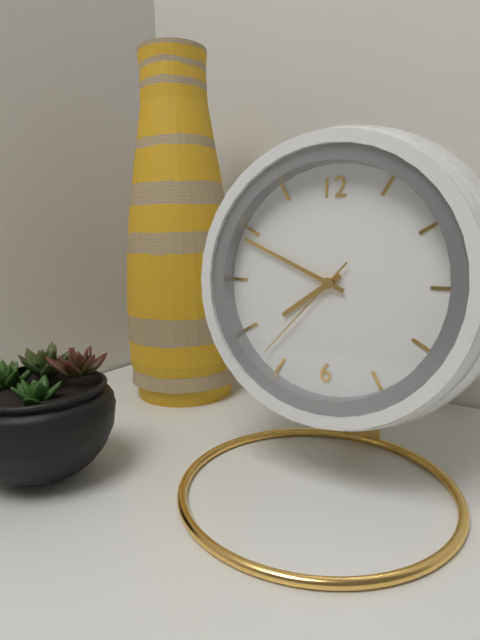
**7:49:37**
